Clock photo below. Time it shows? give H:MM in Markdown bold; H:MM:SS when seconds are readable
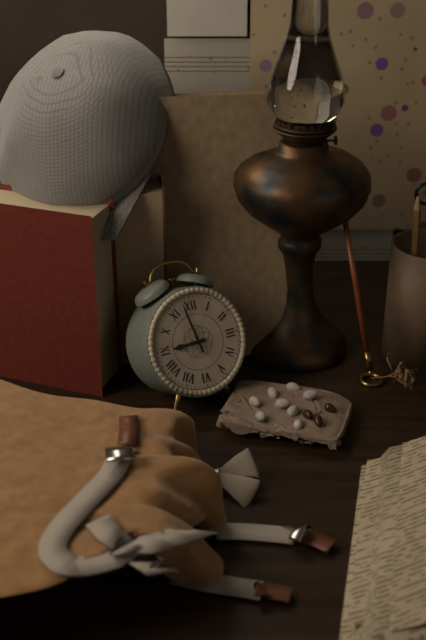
**8:58**
